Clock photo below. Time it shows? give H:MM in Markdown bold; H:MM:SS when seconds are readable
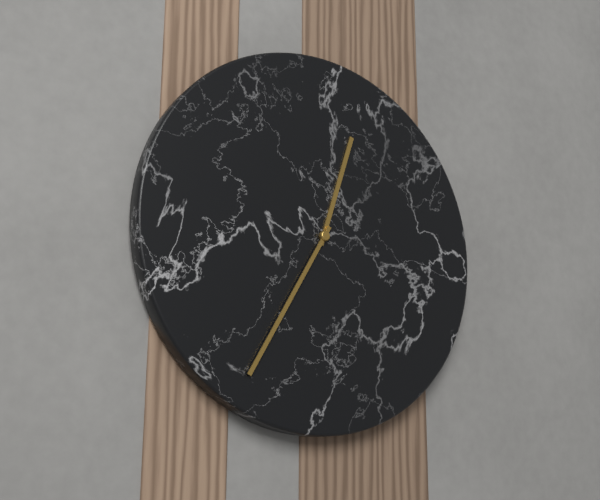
**12:35**
